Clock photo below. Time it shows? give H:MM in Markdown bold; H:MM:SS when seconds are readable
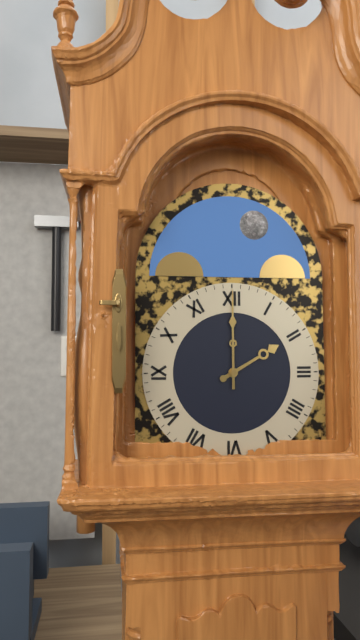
**2:00**
